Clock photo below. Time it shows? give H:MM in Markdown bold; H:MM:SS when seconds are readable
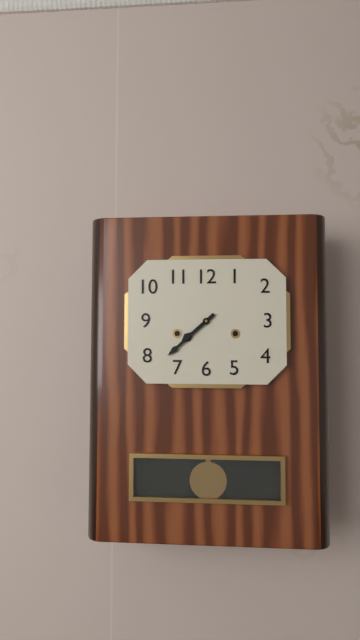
**7:38**
